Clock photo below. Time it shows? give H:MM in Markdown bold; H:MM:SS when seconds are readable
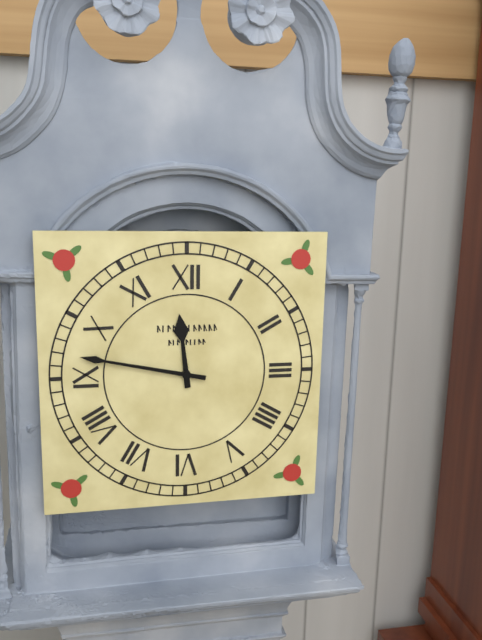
**11:47**
